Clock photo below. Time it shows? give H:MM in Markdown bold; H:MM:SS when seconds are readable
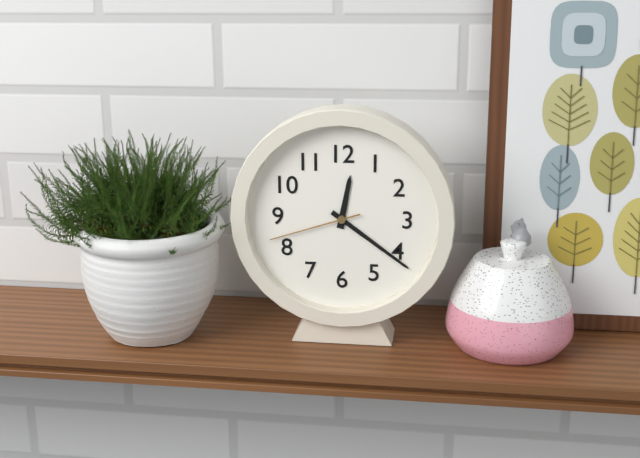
**12:21:42**
